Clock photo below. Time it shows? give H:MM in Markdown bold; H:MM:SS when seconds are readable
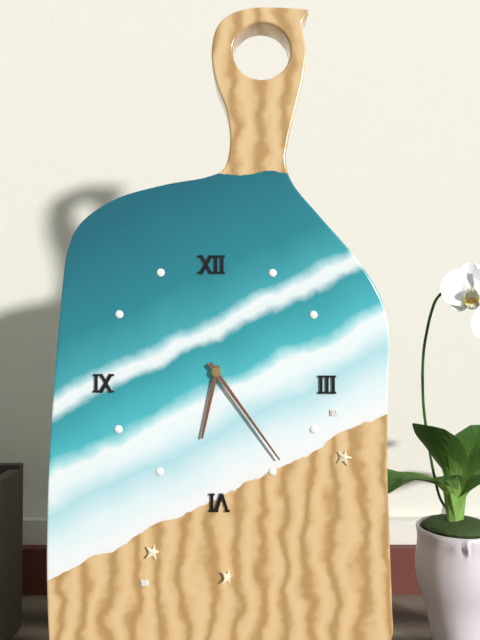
**6:24**
